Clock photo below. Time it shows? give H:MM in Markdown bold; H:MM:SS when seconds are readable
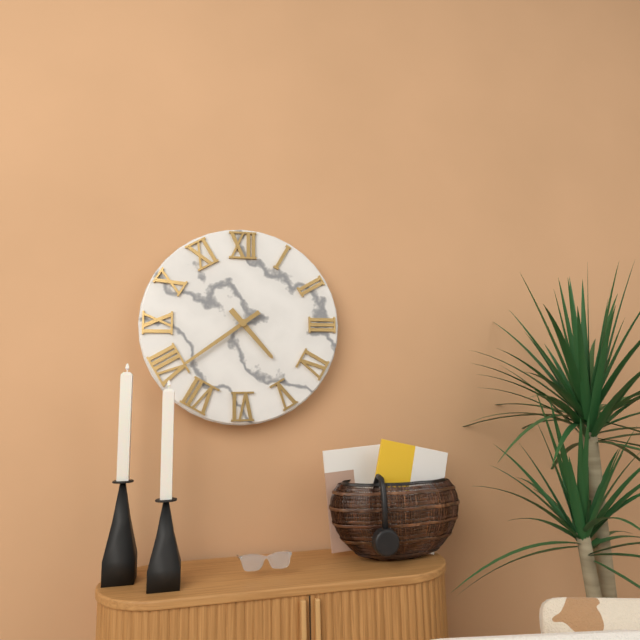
**4:39**
